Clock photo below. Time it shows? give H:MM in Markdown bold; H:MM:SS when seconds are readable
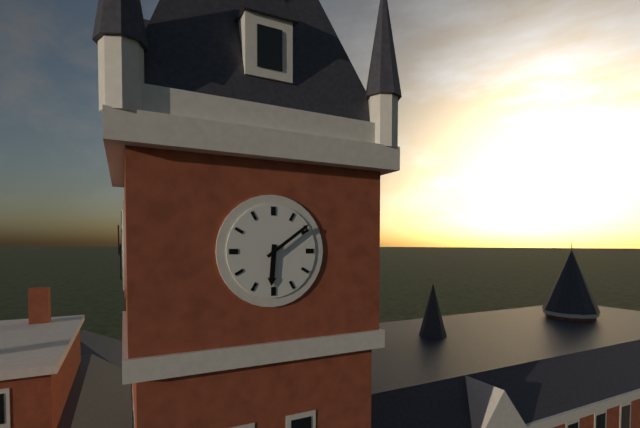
**6:09**
